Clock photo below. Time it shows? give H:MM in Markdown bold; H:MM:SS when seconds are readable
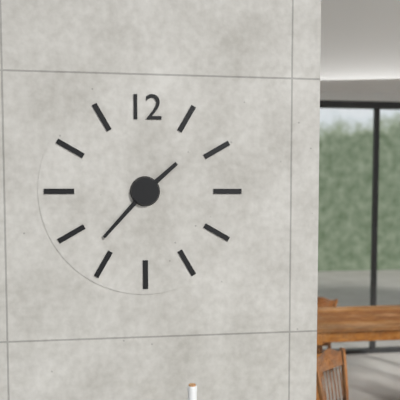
**1:37**
